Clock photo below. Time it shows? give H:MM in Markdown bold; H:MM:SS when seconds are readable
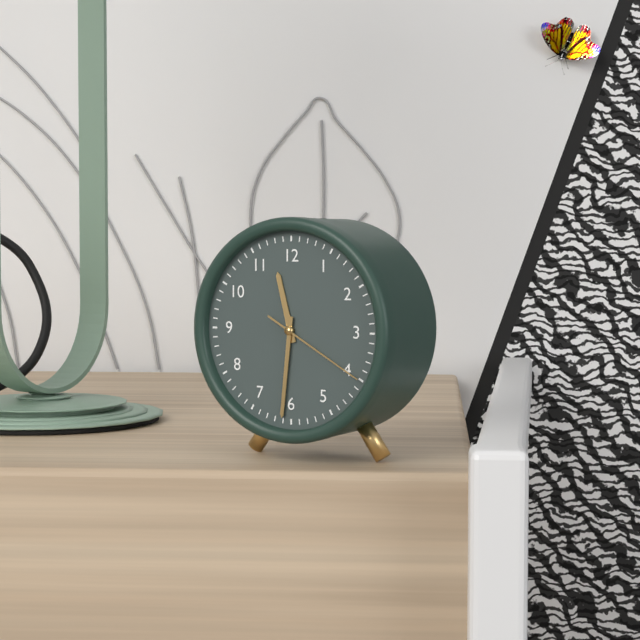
**11:31:20**
